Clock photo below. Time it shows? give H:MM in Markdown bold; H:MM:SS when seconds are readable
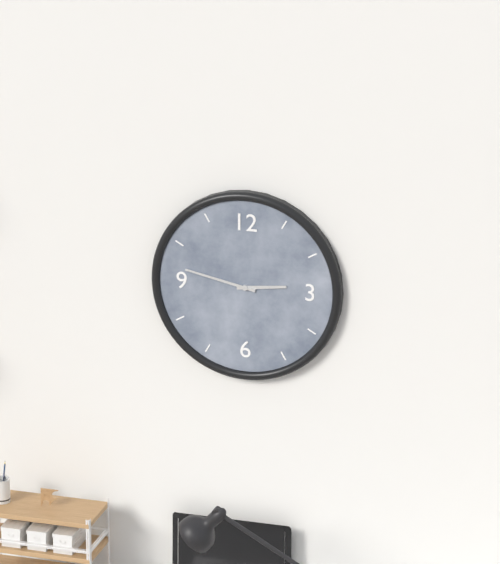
**2:47**
